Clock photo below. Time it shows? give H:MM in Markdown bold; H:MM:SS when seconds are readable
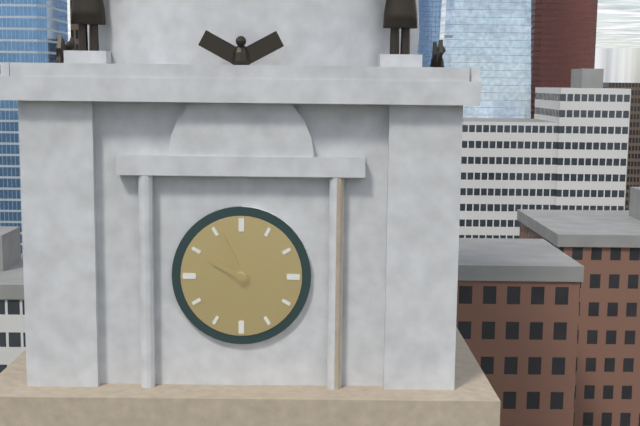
**9:56**
